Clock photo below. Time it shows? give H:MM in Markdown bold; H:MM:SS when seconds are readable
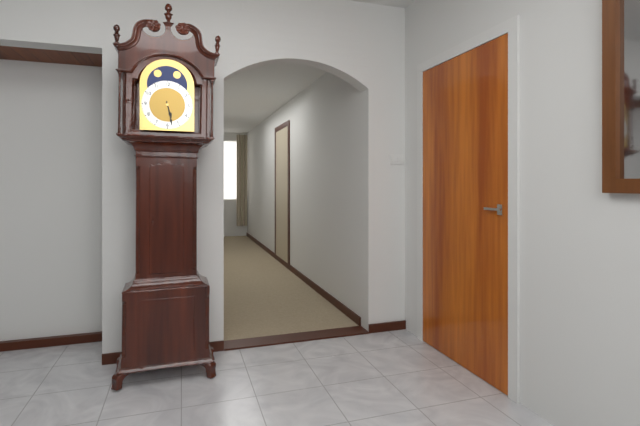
**5:28**
